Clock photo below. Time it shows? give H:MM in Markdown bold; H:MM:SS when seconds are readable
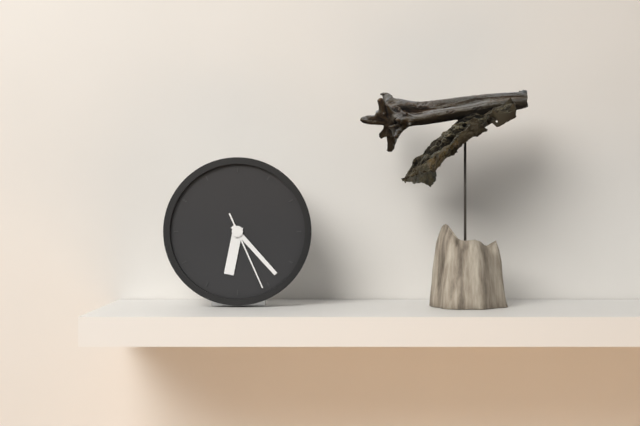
**6:23:26**
